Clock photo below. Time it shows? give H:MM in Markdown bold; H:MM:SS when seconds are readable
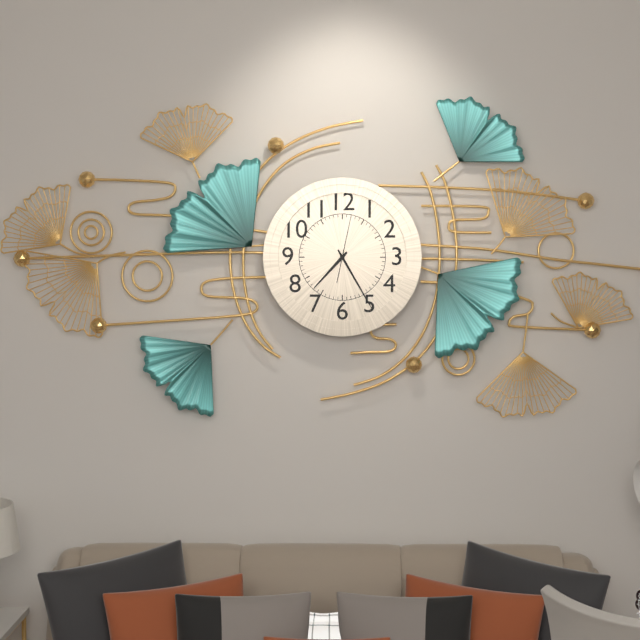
**7:25:02**
